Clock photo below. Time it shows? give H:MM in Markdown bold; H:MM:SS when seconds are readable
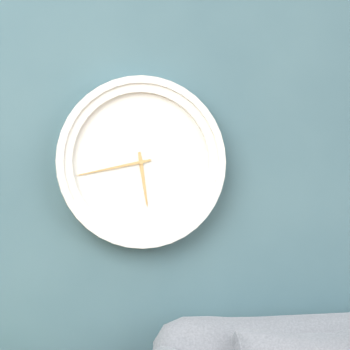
**5:43**
